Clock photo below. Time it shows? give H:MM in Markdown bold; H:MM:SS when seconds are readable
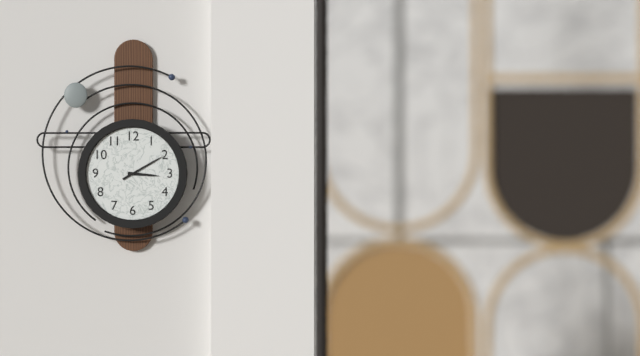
**3:10**
